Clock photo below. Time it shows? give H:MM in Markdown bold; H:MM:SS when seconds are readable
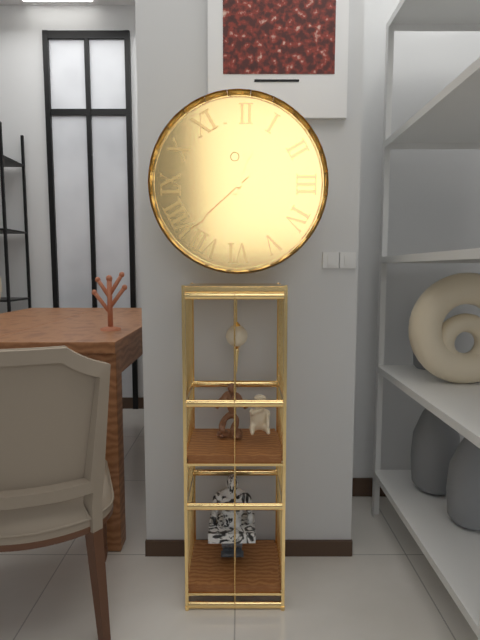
**12:38**
